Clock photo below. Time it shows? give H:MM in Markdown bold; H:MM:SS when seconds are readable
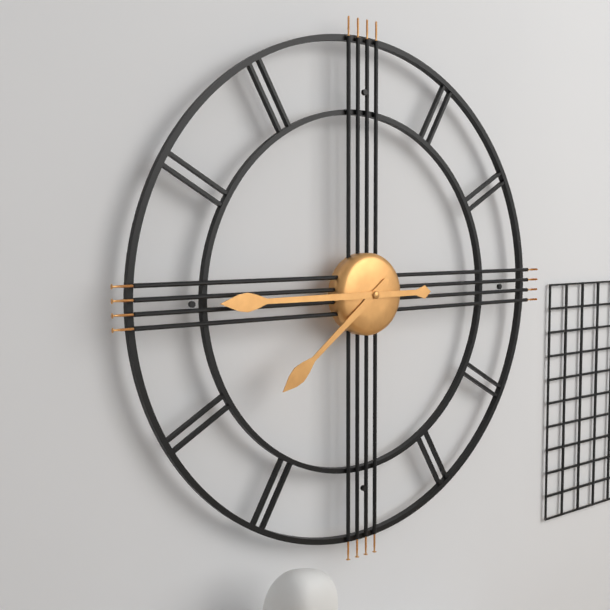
**7:45**
